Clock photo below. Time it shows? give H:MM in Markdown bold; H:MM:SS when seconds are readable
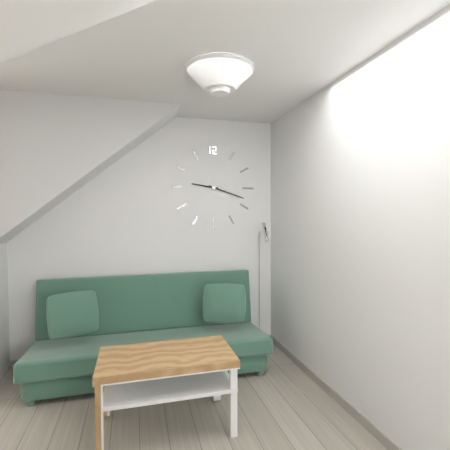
**9:18**
